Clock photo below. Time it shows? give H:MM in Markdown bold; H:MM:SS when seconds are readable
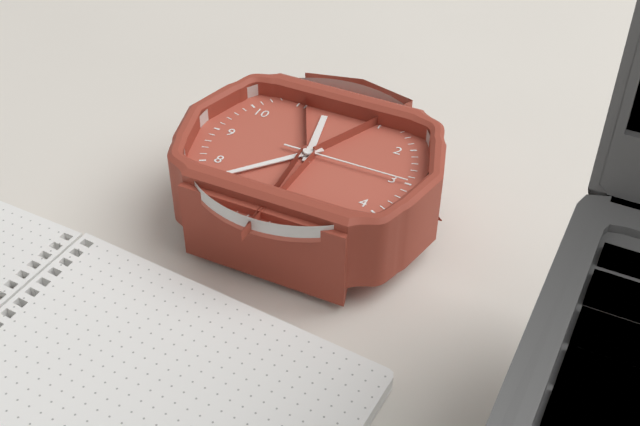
**11:37:15**
